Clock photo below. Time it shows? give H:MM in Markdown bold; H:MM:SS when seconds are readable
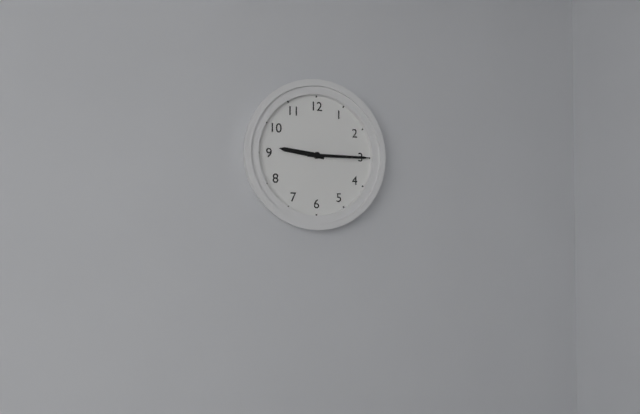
**9:15**
